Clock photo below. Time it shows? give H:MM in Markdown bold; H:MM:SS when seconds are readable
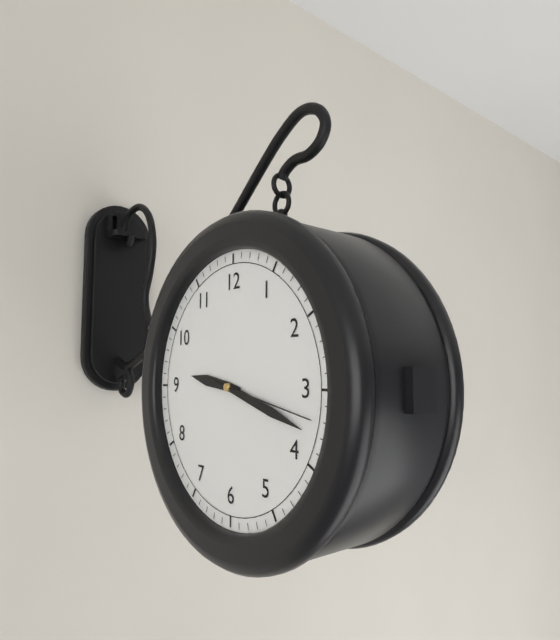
**9:18:17**
